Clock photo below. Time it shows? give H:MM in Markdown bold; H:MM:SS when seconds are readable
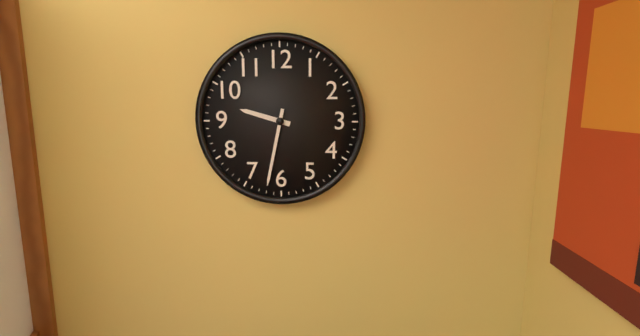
**9:32**
